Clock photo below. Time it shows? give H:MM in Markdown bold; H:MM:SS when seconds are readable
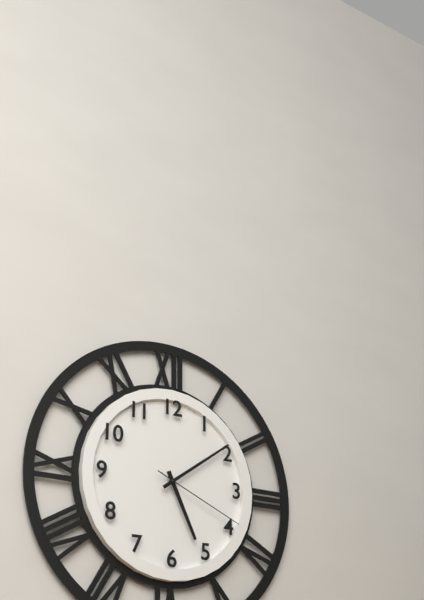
**5:09:19**
